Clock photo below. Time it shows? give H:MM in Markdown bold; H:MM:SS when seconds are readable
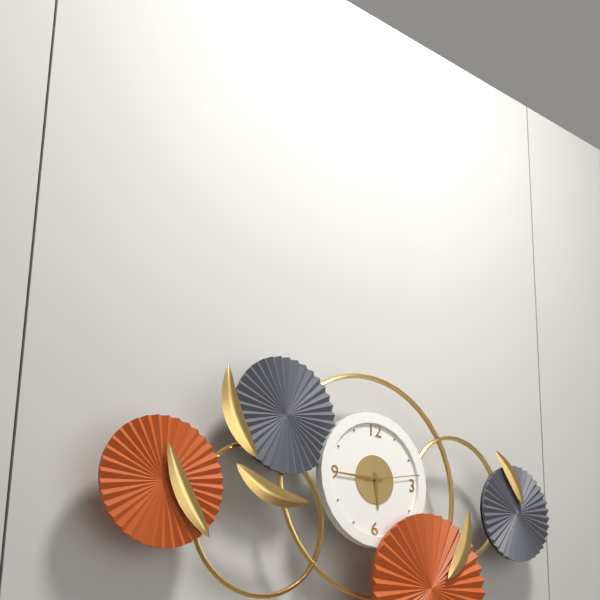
**5:45:13**
